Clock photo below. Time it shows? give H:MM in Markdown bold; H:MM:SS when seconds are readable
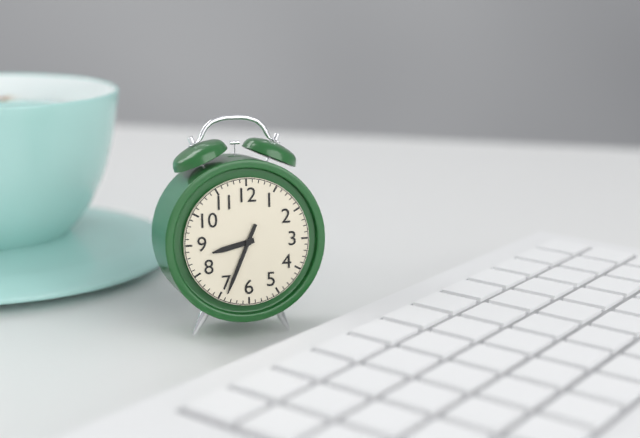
**8:34**
